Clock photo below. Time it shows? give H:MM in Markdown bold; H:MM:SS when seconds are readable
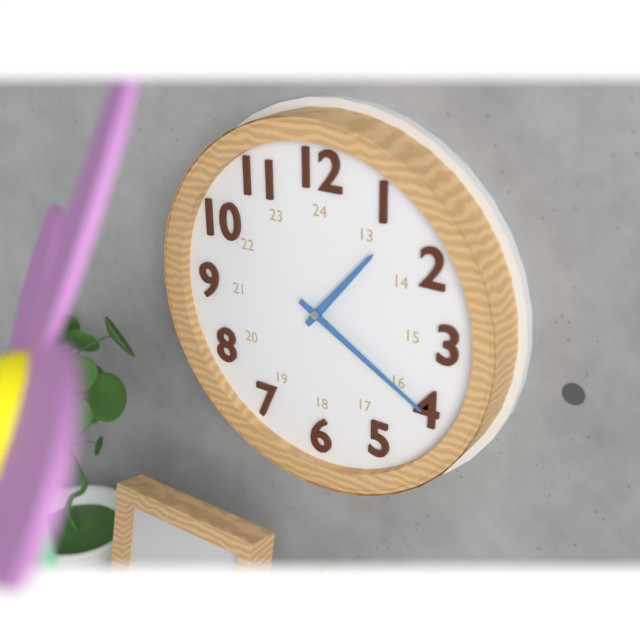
**1:20**
